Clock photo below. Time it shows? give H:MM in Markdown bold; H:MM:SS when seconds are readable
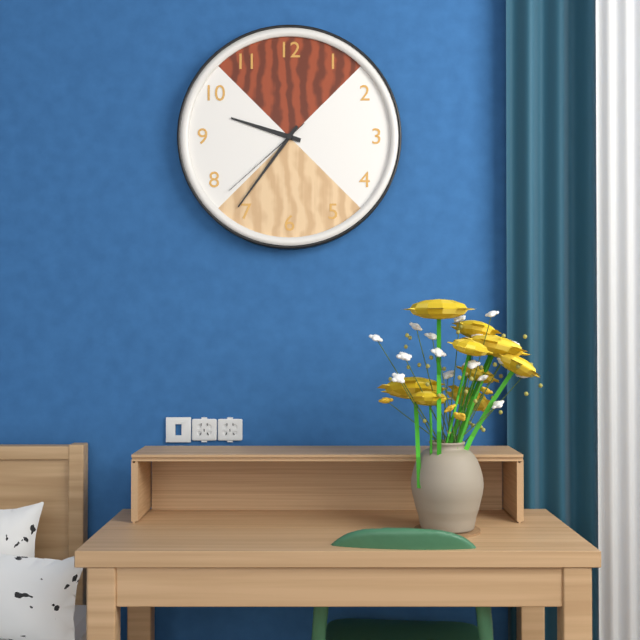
**9:36:38**
